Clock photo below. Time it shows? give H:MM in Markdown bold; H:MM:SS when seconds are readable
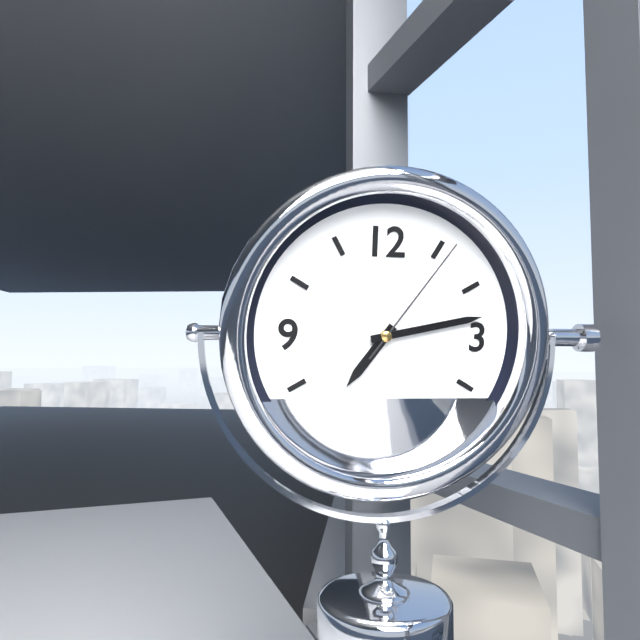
**7:13:06**
